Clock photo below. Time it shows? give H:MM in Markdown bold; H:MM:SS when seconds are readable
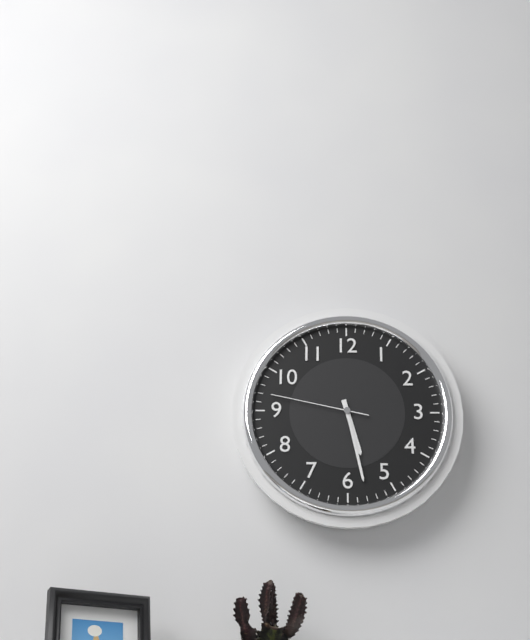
**5:28:47**
